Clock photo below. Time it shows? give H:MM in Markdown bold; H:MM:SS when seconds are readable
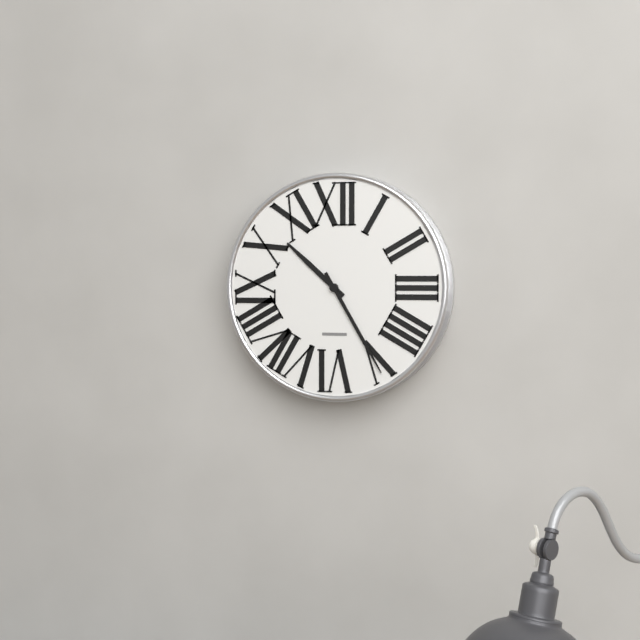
**10:25**
